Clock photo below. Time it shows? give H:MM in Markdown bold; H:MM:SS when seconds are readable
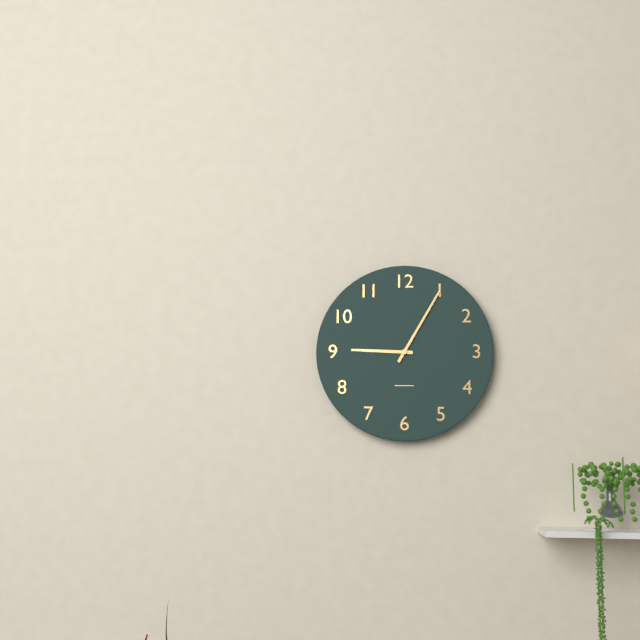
**9:05**
